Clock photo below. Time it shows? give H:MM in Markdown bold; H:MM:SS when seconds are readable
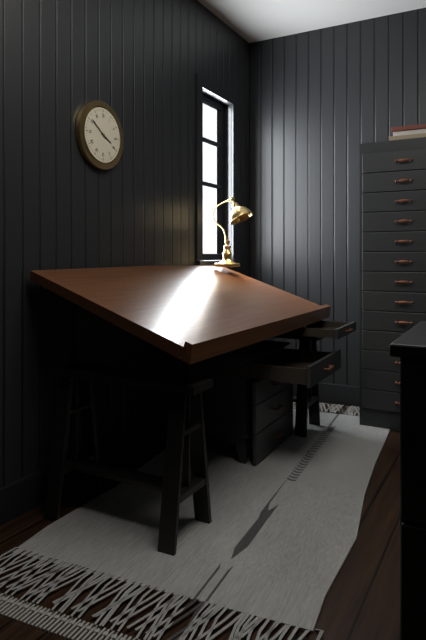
**3:51**
